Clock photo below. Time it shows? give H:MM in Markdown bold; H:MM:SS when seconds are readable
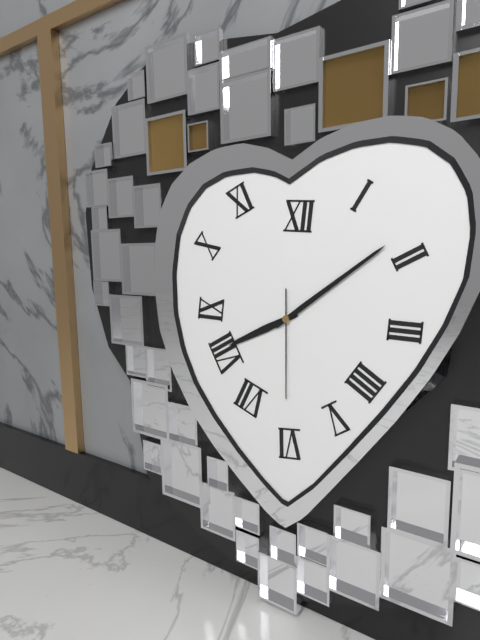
**8:09:30**
